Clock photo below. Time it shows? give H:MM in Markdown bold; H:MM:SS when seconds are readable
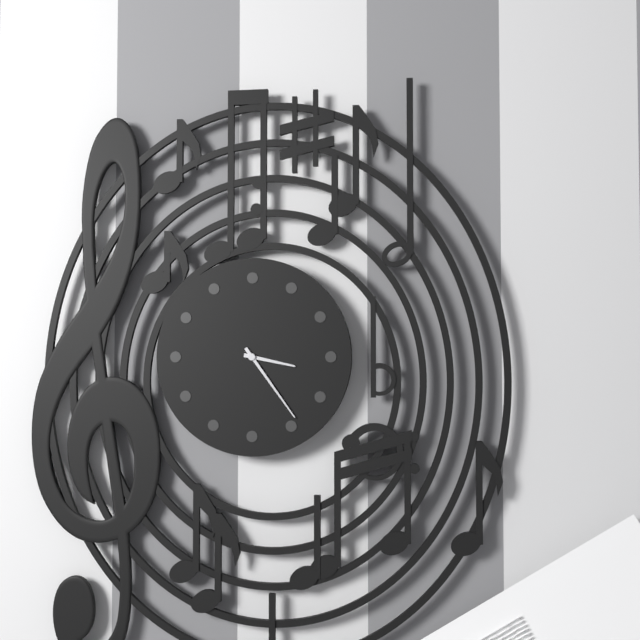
**3:24**
